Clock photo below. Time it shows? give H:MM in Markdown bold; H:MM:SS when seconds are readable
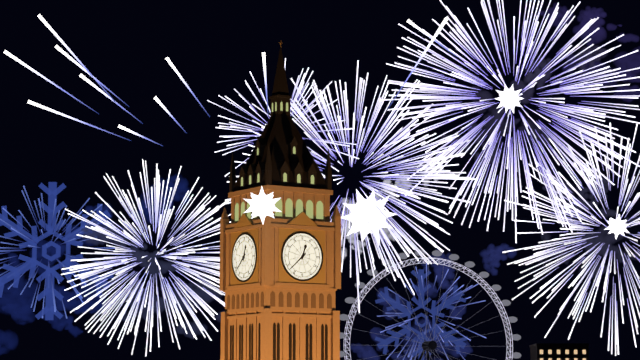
**12:38**
